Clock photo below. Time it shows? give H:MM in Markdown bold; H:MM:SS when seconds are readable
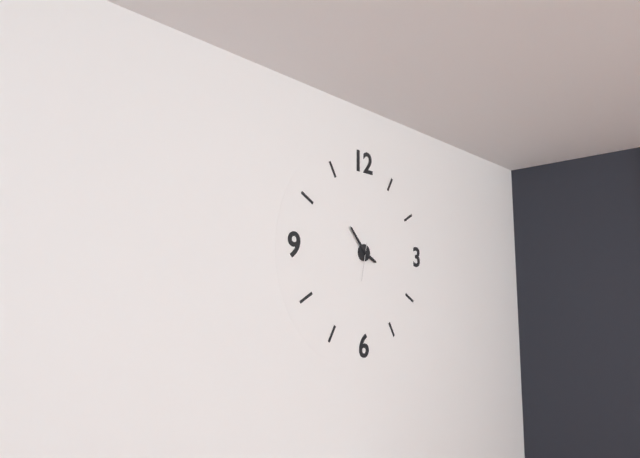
**3:53**
